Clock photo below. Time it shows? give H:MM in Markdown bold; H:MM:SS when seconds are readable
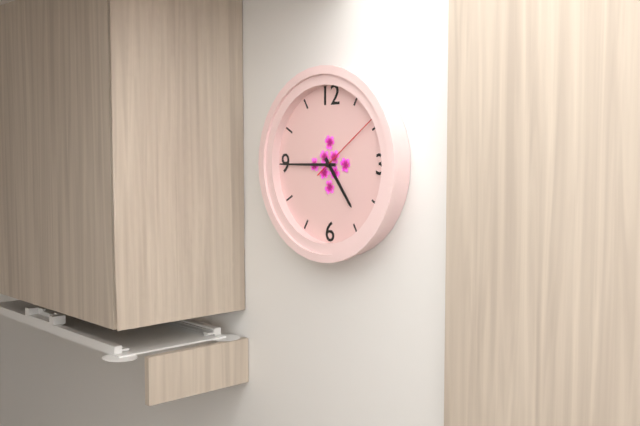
**4:45:09**
